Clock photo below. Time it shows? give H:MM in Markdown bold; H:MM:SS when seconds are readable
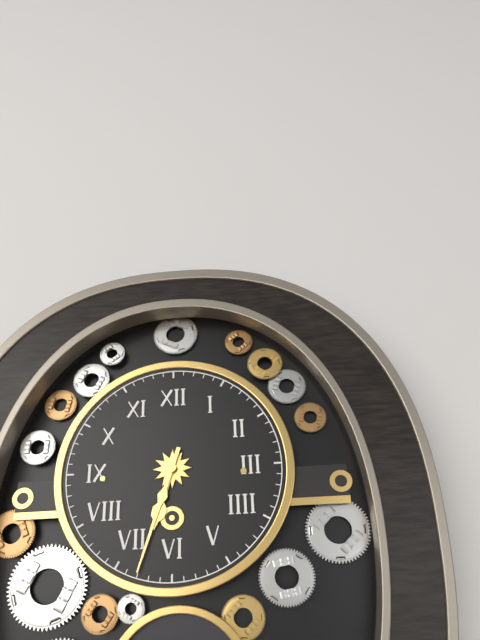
**6:33**
